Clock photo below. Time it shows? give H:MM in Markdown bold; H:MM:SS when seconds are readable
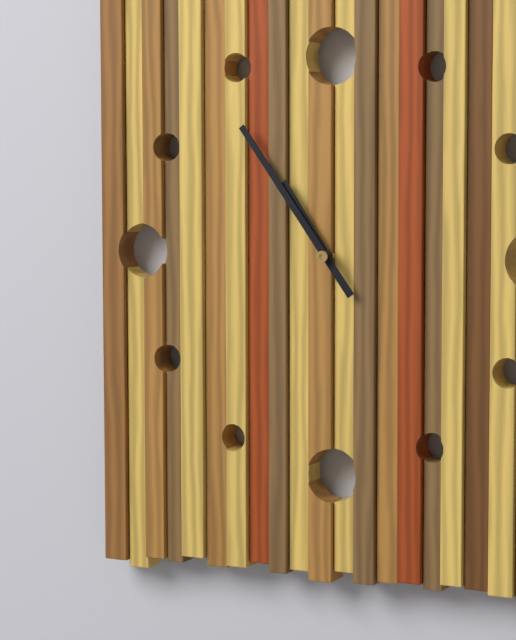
**10:54**
